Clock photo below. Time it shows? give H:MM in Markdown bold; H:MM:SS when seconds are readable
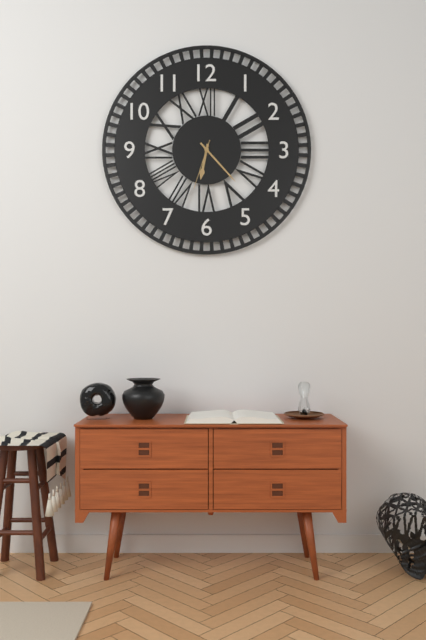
**6:23**
